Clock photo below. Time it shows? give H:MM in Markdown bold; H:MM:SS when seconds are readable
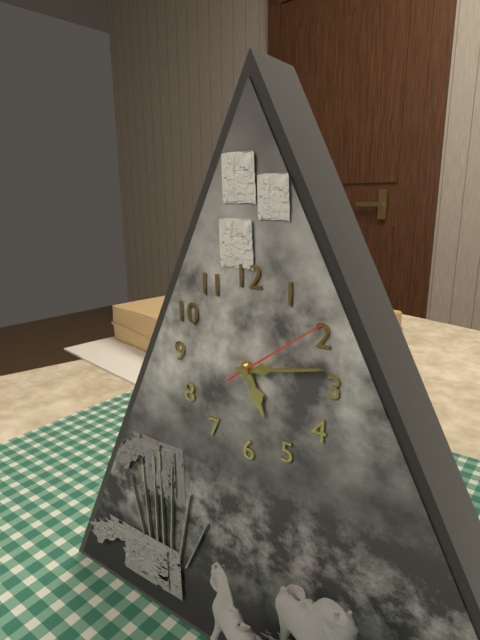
**5:13:09**
